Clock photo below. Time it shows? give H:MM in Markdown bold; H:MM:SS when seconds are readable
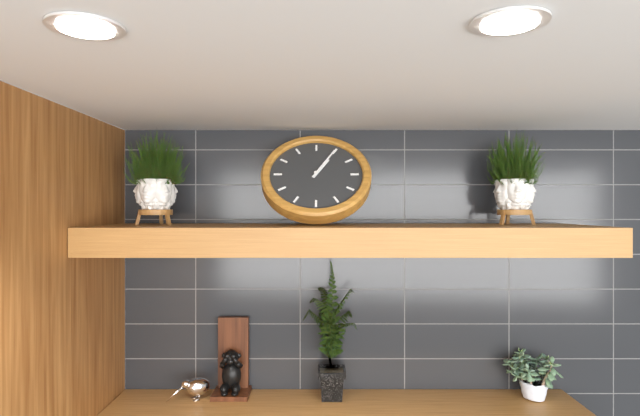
**1:05**
